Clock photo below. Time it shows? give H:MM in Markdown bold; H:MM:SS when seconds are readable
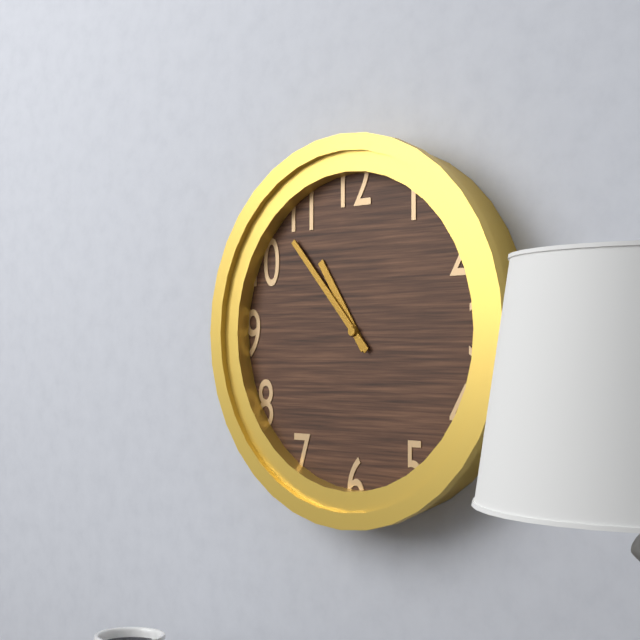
**10:53**
